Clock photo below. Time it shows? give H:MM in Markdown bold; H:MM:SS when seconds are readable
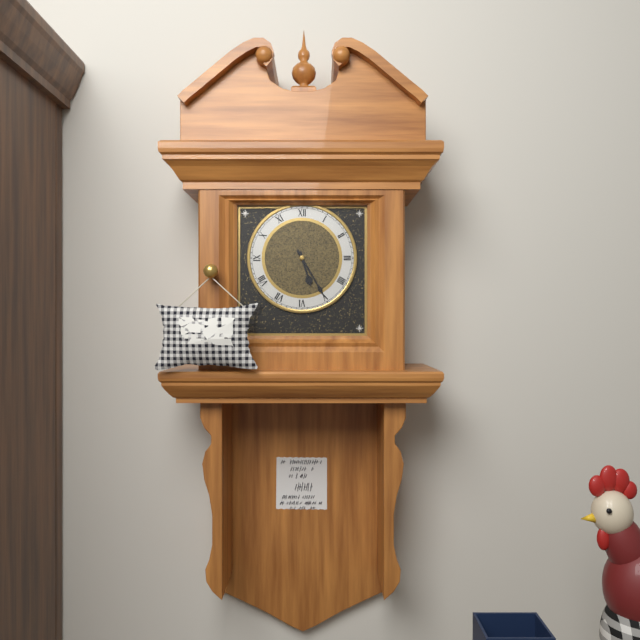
**5:25**
